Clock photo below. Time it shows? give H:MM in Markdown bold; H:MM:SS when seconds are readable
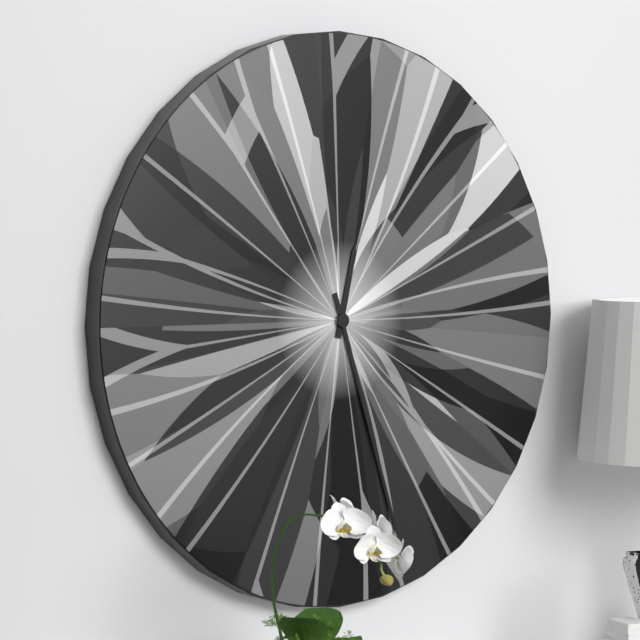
**12:27**
